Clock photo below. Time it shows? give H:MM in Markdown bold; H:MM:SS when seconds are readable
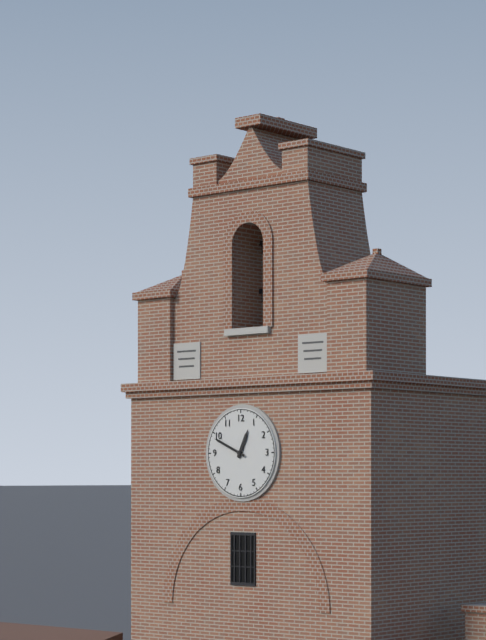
**12:49**
